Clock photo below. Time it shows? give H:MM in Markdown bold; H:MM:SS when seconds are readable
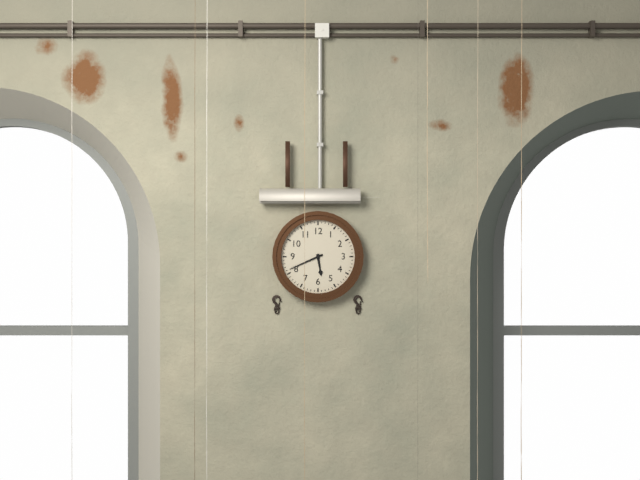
**5:41**
